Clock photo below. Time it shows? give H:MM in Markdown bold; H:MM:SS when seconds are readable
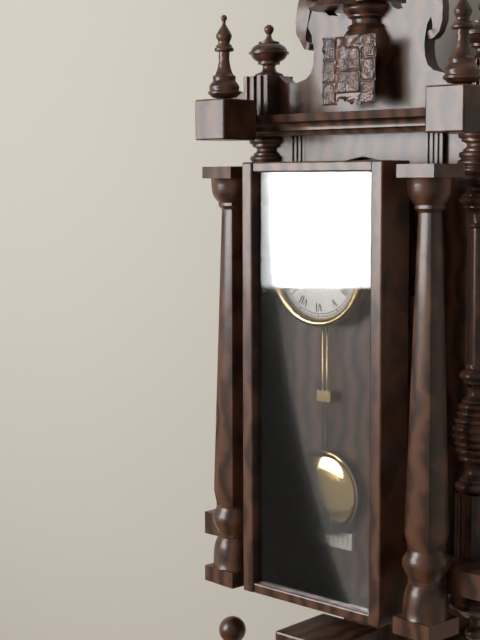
**10:58**
